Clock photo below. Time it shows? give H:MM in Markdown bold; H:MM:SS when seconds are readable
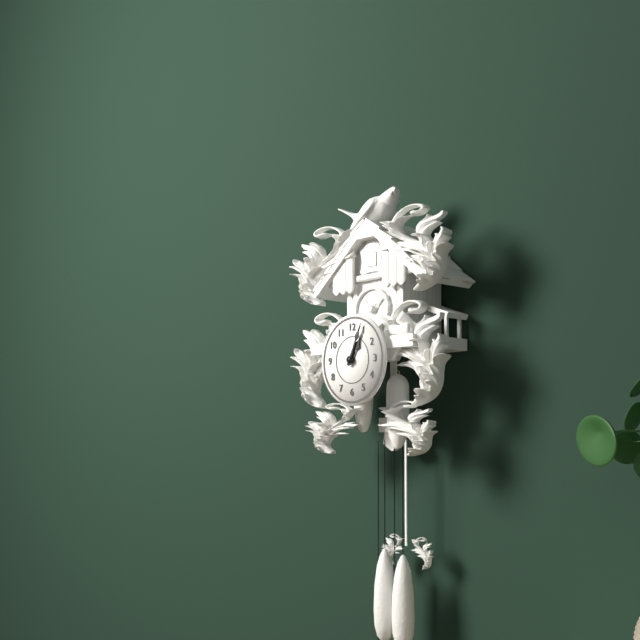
**1:04**
